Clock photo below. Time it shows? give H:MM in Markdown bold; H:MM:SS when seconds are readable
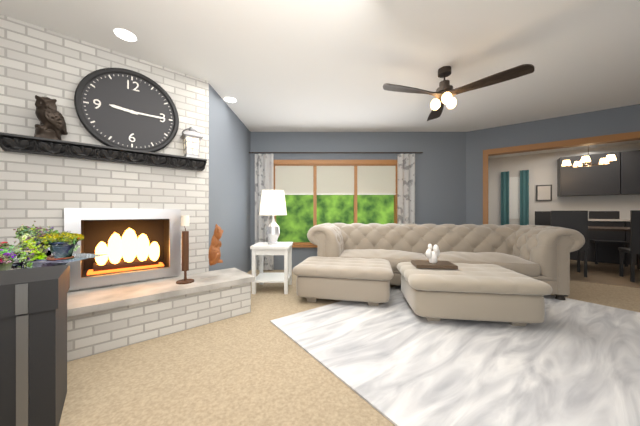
**9:15**
